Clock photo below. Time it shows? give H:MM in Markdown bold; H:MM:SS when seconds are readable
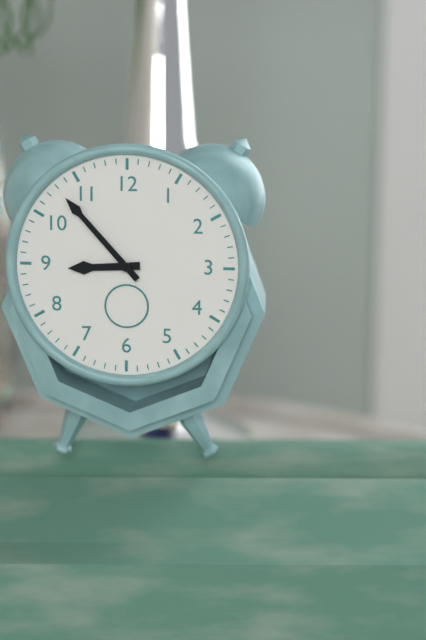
**8:53**
